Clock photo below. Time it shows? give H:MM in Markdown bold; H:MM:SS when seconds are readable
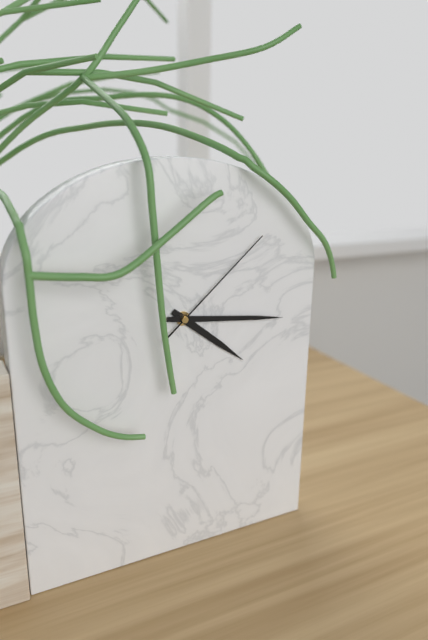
**4:16:08**
